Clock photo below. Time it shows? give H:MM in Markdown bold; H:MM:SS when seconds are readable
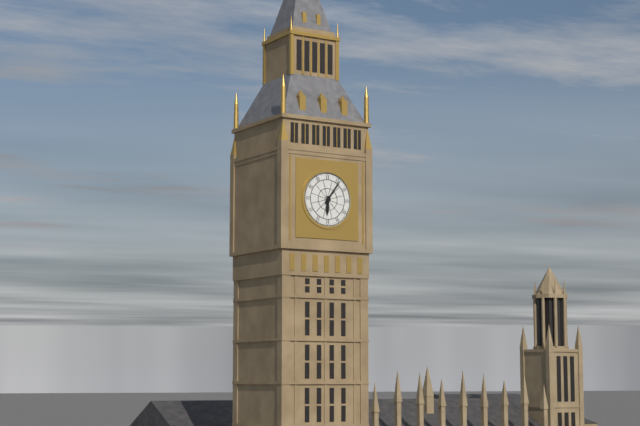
**6:06**
